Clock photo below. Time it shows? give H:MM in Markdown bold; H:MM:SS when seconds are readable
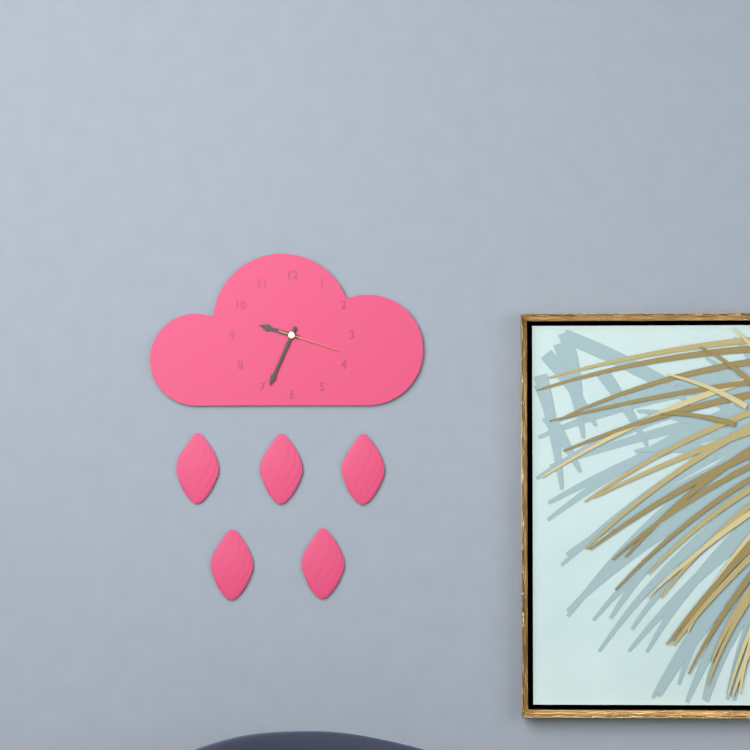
**9:34:18**
